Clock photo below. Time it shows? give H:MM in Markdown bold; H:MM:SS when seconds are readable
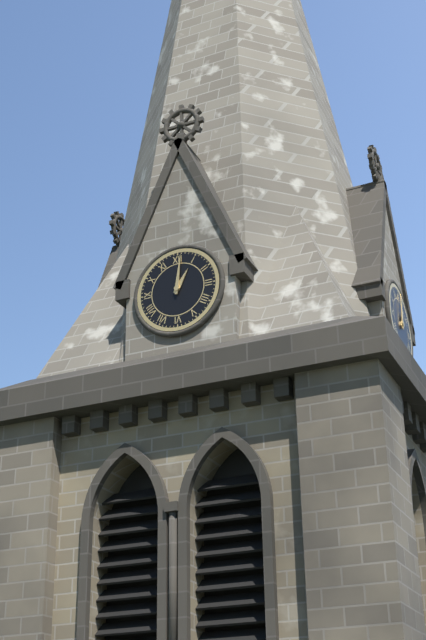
**1:01**
